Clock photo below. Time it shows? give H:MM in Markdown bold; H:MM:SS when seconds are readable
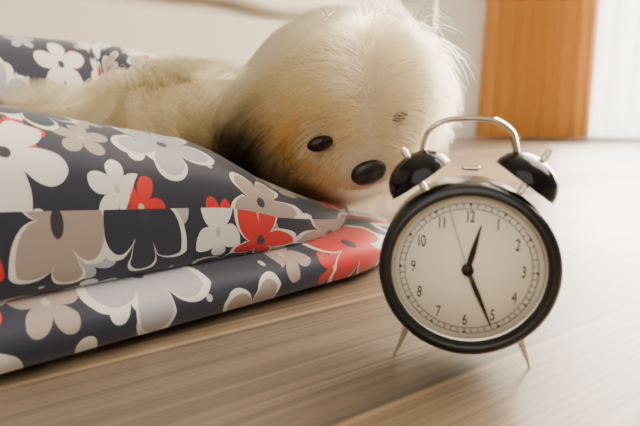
**12:26:57**
